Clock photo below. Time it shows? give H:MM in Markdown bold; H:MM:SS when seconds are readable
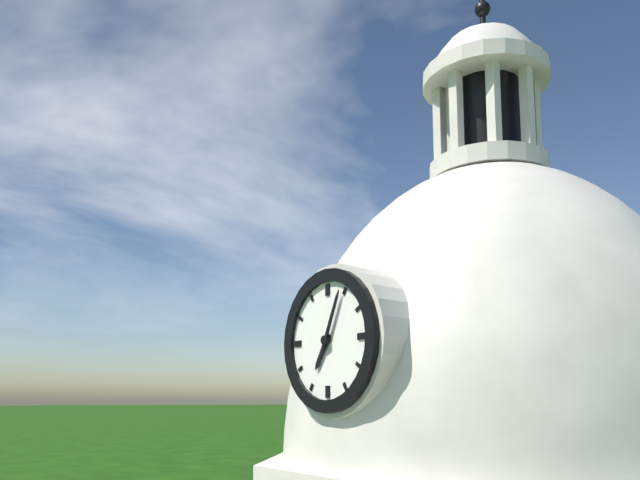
**7:04**
